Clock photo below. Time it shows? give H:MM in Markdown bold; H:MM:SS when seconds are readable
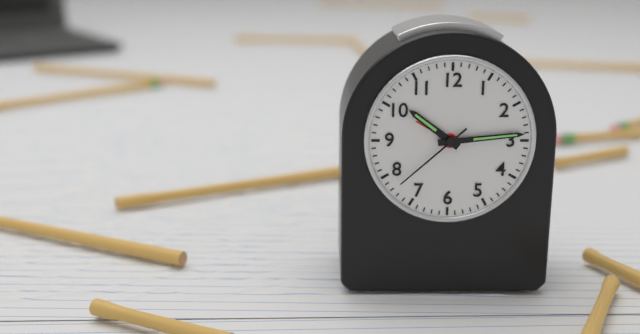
**10:14:38**
